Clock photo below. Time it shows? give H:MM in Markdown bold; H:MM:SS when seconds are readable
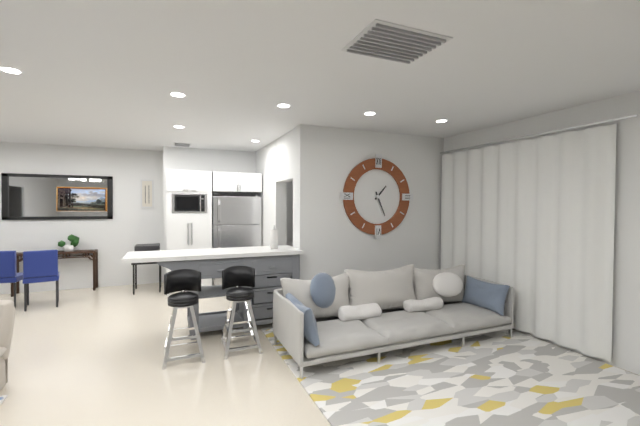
**1:26**
